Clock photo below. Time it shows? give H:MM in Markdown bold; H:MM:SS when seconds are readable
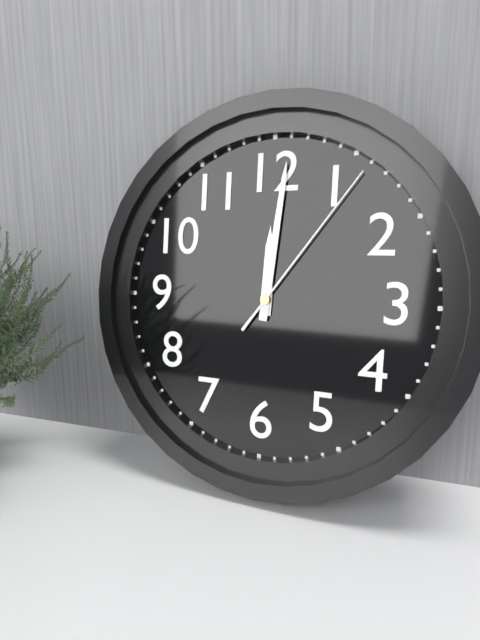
**12:01:06**
